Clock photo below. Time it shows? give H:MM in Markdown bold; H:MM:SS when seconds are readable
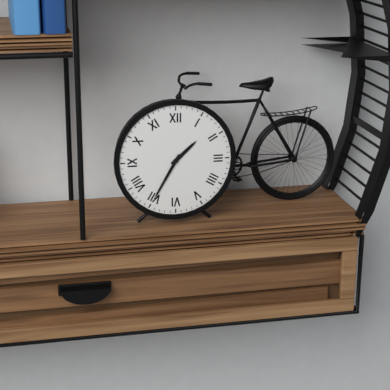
**1:35**
